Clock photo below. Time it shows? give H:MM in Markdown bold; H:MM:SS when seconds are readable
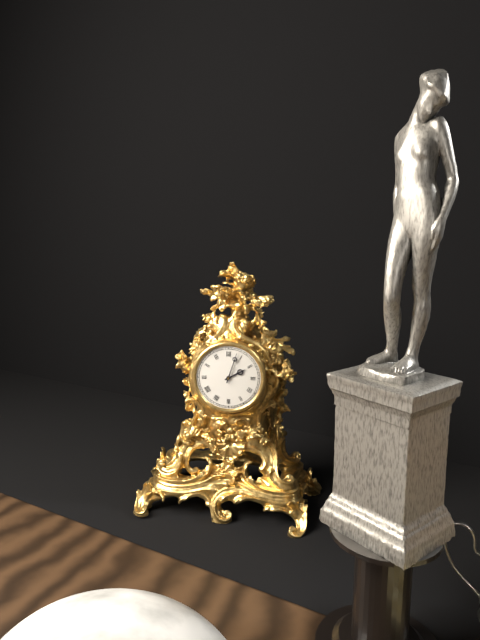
**2:03**
